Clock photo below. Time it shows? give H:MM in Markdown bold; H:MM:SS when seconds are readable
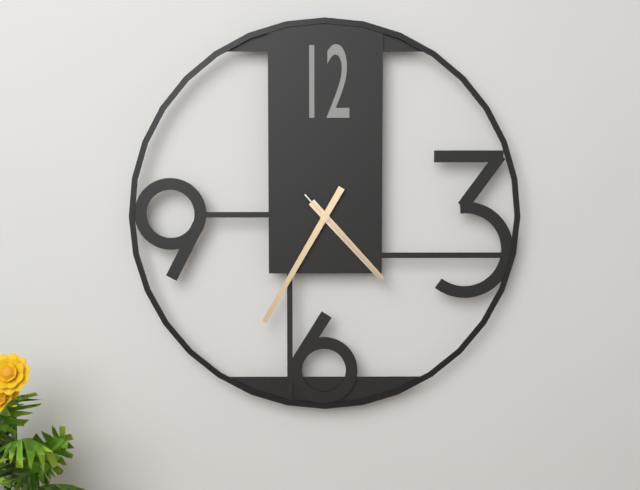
**4:35:23**
